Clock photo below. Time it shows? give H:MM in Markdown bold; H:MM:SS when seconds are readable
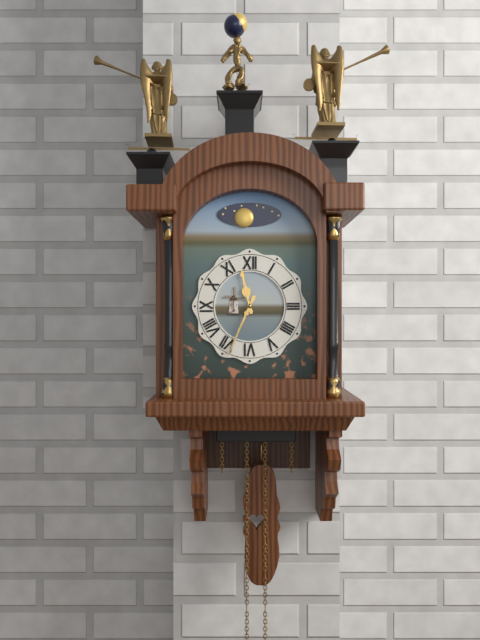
**11:34**
